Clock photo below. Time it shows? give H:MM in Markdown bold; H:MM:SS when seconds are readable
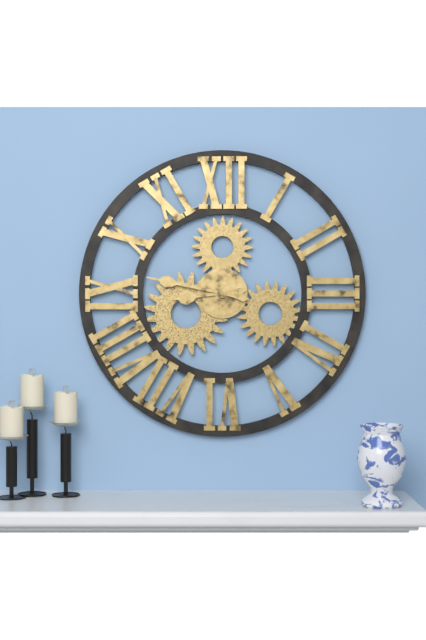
**8:47**
